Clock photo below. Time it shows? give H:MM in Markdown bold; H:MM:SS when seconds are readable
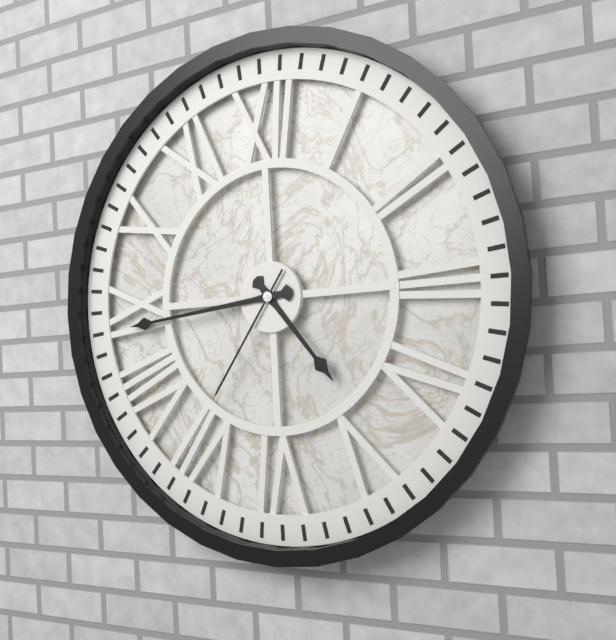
**4:44:36**
